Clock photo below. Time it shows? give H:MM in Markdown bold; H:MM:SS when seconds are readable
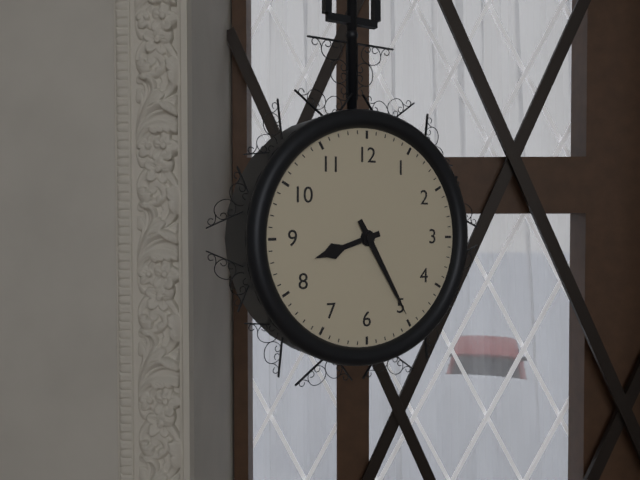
**8:25**
